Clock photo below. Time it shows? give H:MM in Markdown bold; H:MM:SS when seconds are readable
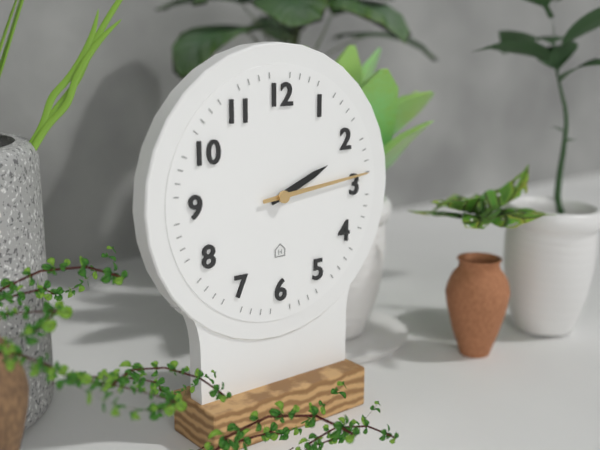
**2:14**
